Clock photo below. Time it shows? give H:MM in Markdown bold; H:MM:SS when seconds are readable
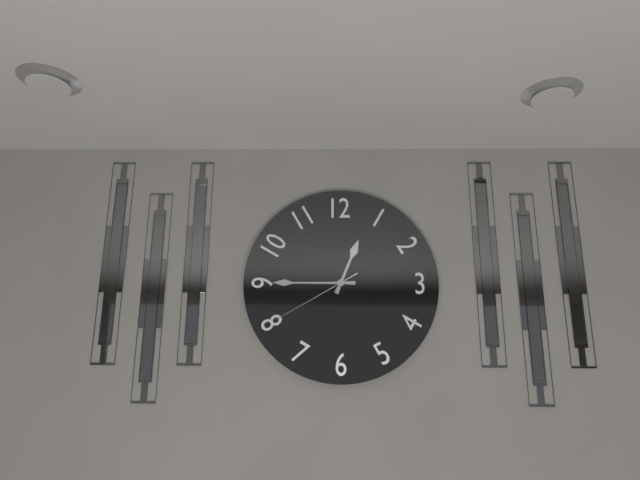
**12:45:40**
